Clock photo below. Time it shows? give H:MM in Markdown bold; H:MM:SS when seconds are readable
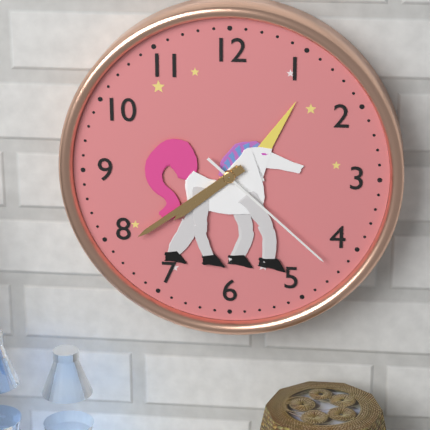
**7:39:22**
